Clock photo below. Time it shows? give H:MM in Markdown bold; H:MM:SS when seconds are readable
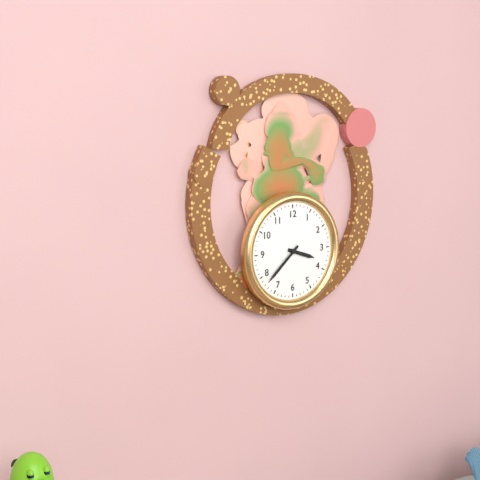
**3:38**
